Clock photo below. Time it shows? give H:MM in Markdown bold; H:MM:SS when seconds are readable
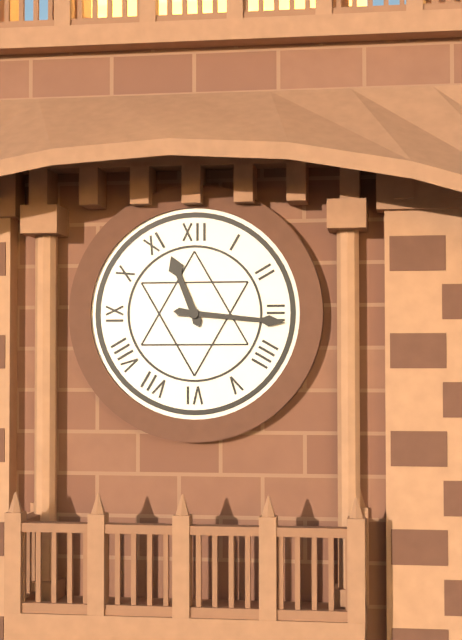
**11:16**
